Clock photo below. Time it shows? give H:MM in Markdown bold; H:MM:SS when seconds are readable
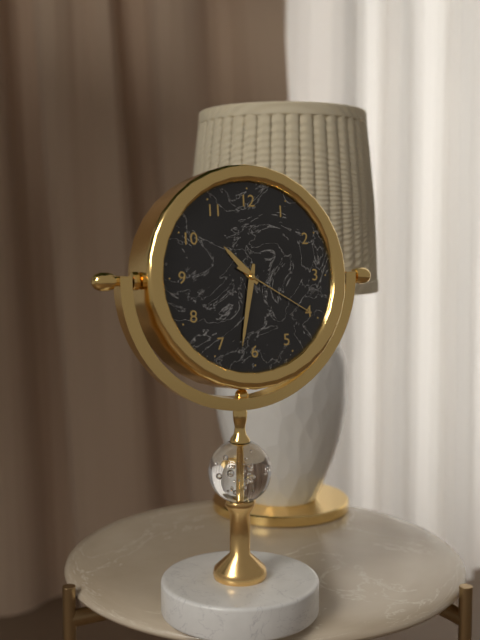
**10:32:20**
